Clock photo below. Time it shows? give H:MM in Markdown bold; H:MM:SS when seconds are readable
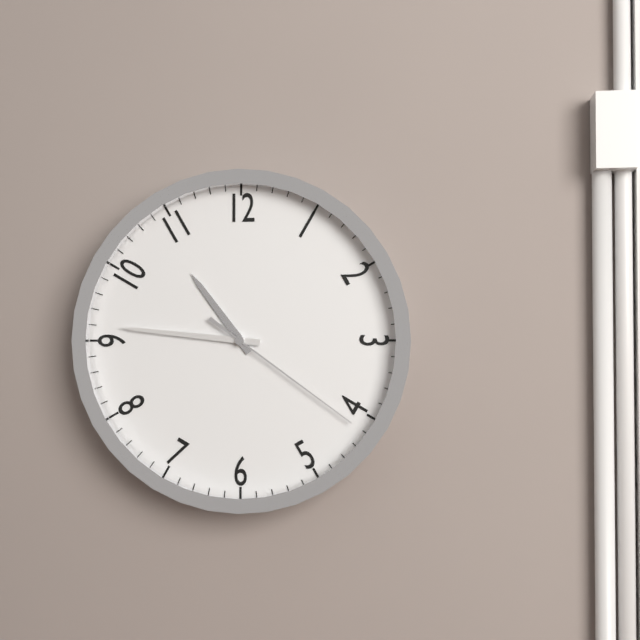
**10:46:21**
